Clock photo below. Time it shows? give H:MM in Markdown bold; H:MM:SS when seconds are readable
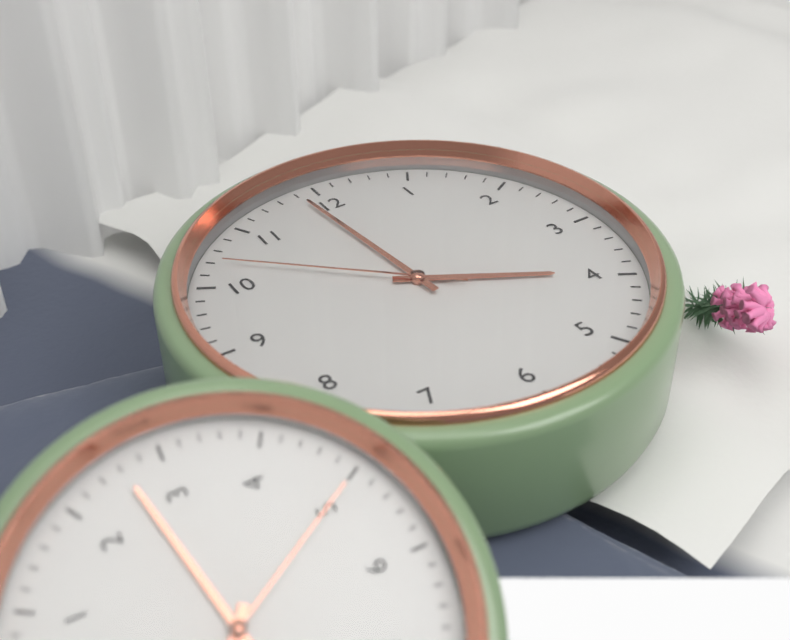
**3:59:52**
